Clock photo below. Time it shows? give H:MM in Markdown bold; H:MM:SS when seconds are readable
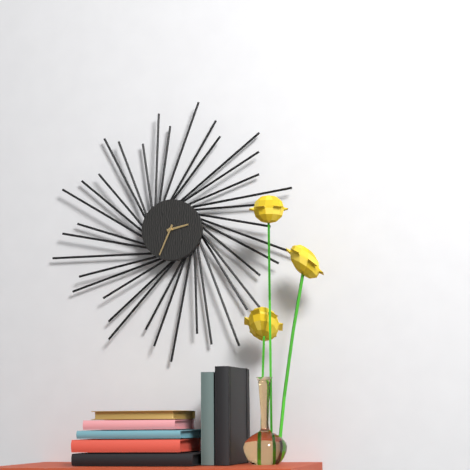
**2:34**
